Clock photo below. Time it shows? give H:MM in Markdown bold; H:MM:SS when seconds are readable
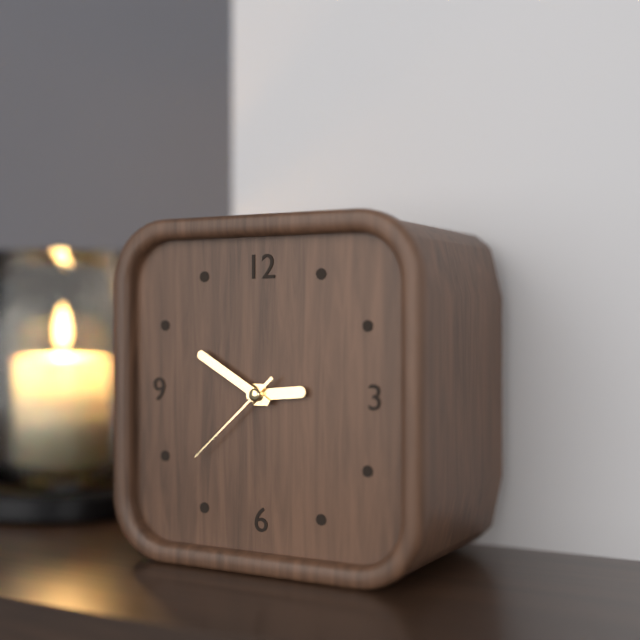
**2:50:38**
